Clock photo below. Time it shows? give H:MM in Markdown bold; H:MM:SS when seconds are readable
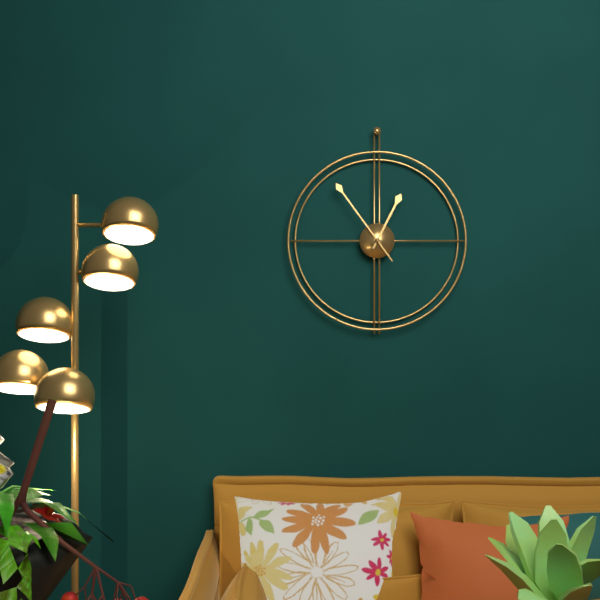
**12:54**
